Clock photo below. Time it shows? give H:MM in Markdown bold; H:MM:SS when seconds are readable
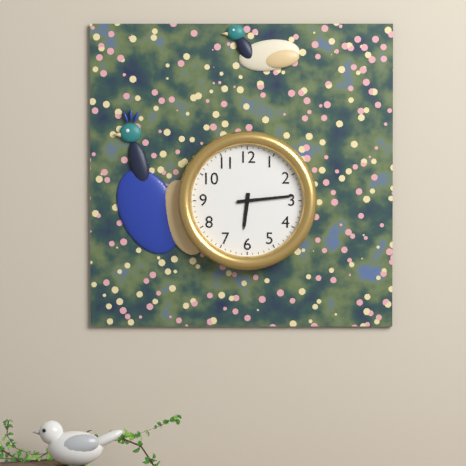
**6:14**
